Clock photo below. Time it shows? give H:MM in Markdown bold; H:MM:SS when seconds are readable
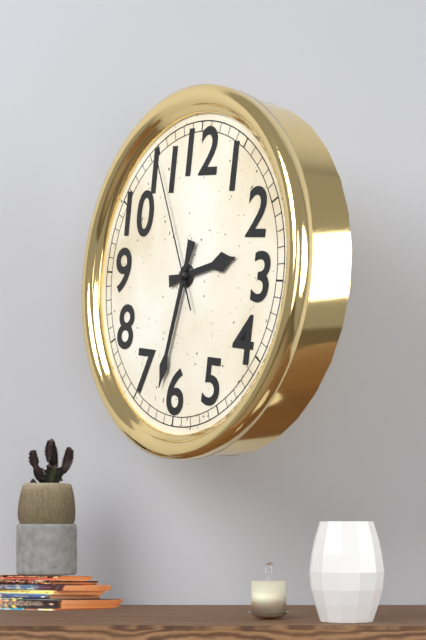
**2:32:55**
